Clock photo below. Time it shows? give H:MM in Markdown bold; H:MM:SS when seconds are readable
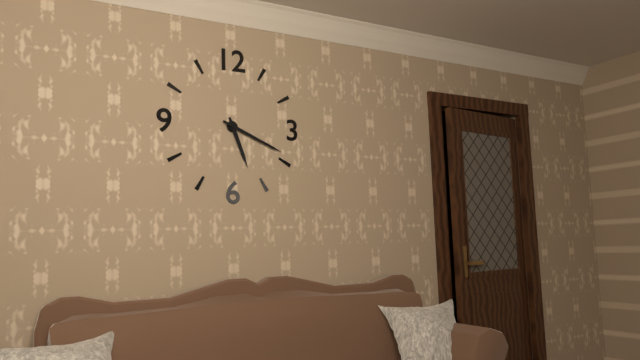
**5:19**
